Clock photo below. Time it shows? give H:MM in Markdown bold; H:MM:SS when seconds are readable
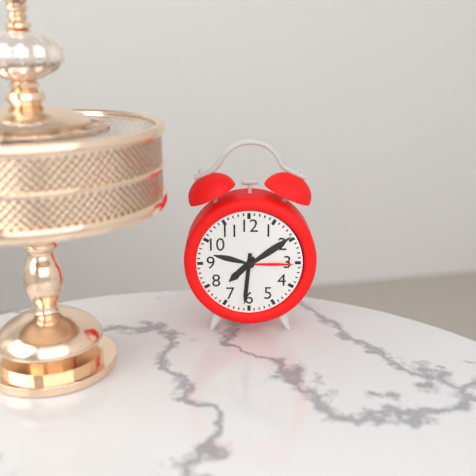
**7:31**
